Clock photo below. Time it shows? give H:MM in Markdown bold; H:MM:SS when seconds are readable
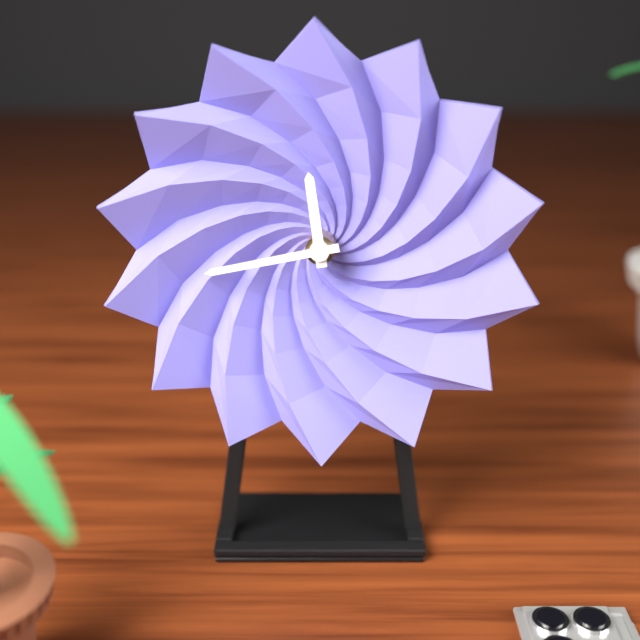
**11:43**
